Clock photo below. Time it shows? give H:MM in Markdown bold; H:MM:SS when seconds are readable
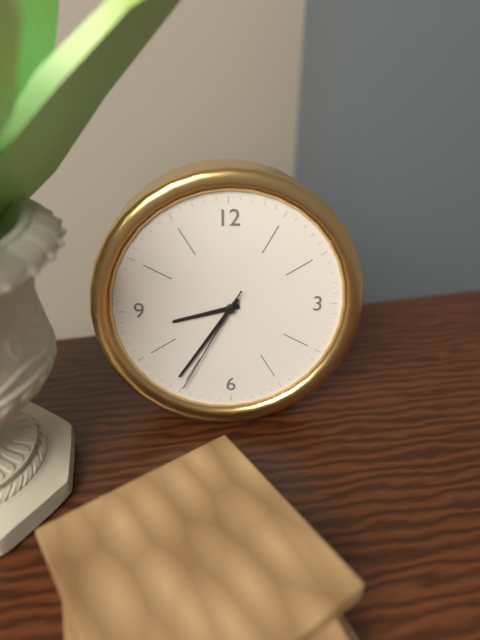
**8:36:35**
